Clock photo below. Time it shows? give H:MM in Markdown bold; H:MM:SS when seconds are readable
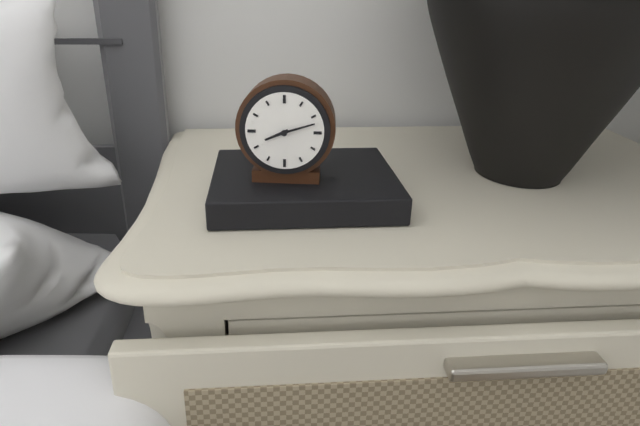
**8:12**
